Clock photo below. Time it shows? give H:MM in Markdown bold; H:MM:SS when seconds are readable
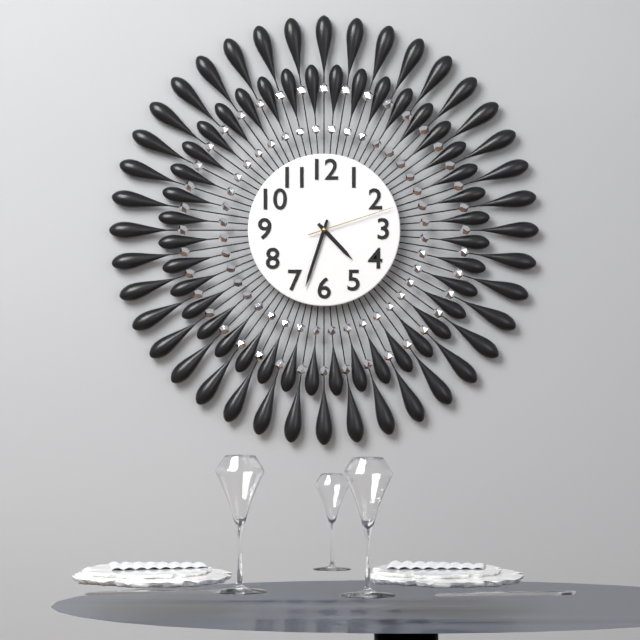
**4:33:12**
